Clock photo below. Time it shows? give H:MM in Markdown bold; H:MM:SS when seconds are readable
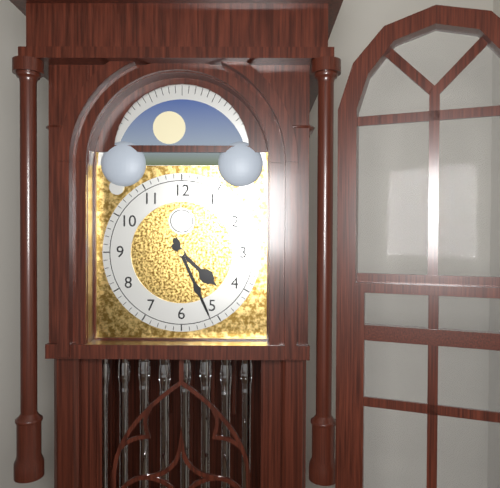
**4:26**
